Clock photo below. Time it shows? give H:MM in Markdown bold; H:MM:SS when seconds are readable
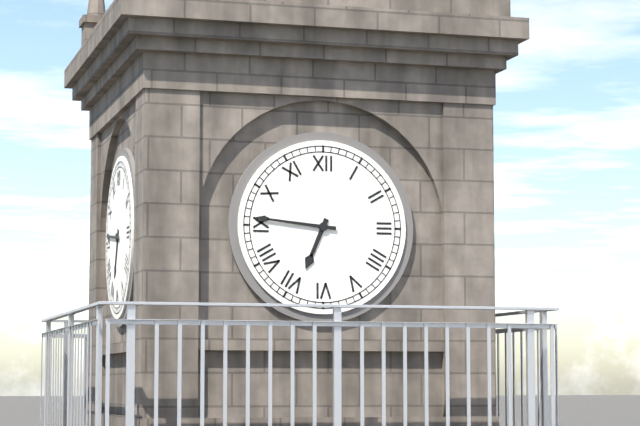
**6:46**
